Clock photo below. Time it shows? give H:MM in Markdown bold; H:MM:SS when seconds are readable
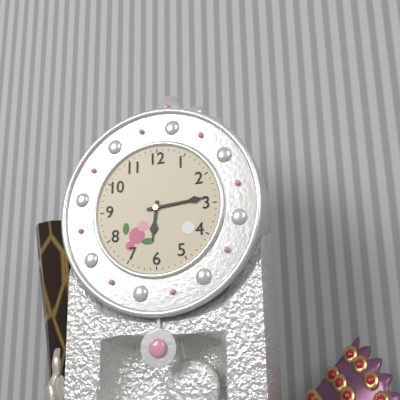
**6:14**
